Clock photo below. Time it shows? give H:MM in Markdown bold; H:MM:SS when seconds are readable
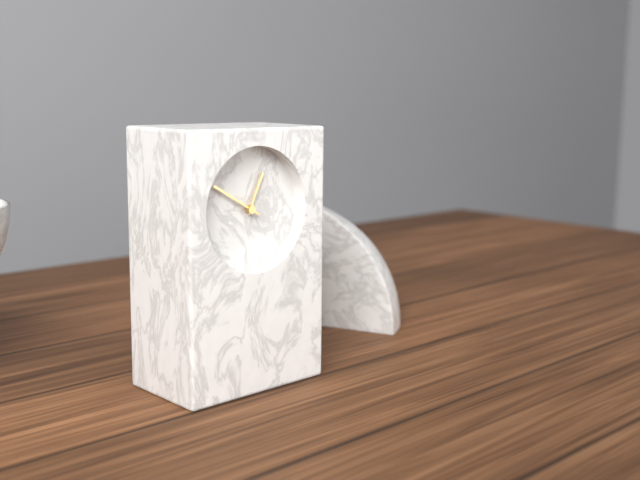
**12:50**
